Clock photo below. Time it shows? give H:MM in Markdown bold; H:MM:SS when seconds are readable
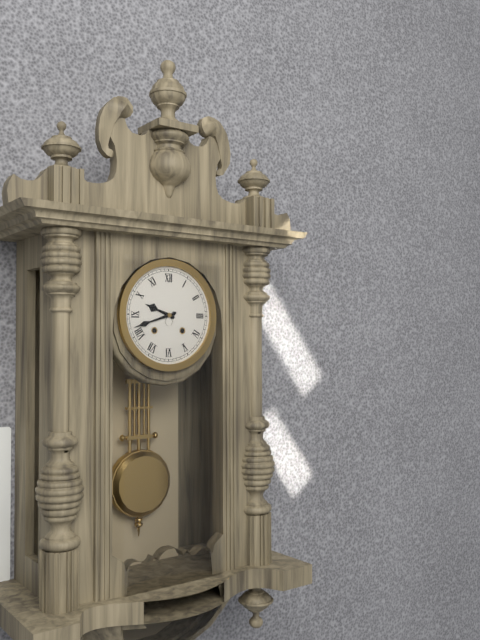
**9:42**
